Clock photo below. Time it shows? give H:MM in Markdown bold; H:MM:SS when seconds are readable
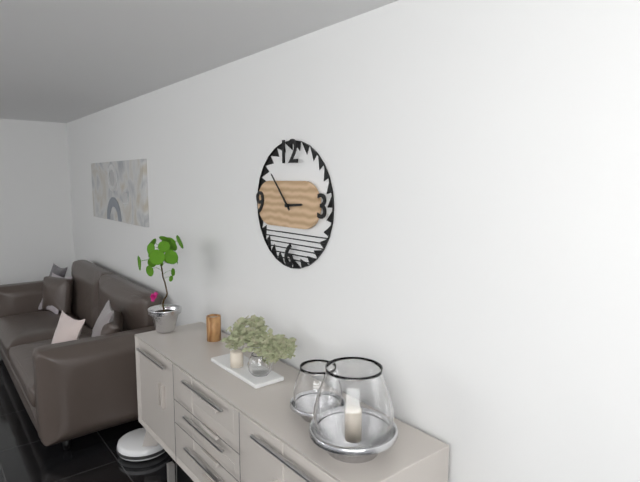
**2:53**
